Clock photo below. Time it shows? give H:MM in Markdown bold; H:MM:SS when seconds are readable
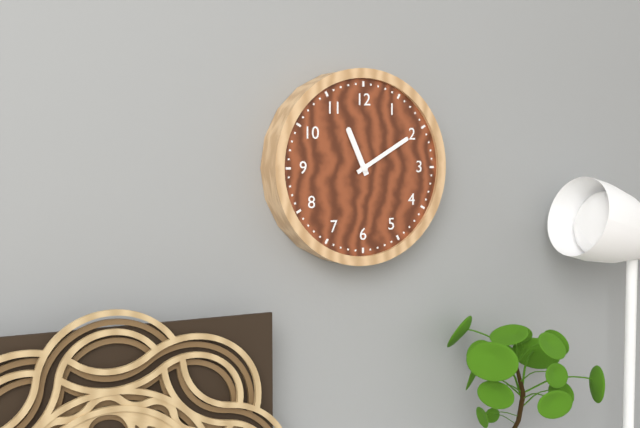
**11:10**
